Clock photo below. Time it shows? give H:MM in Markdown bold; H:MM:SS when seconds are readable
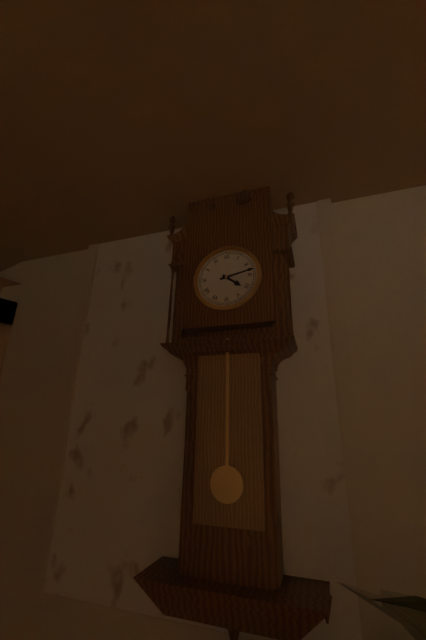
**4:13**
